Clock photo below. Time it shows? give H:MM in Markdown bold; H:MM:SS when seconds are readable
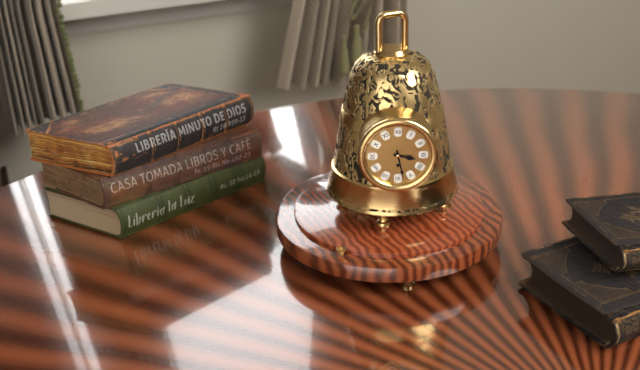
**3:28**
